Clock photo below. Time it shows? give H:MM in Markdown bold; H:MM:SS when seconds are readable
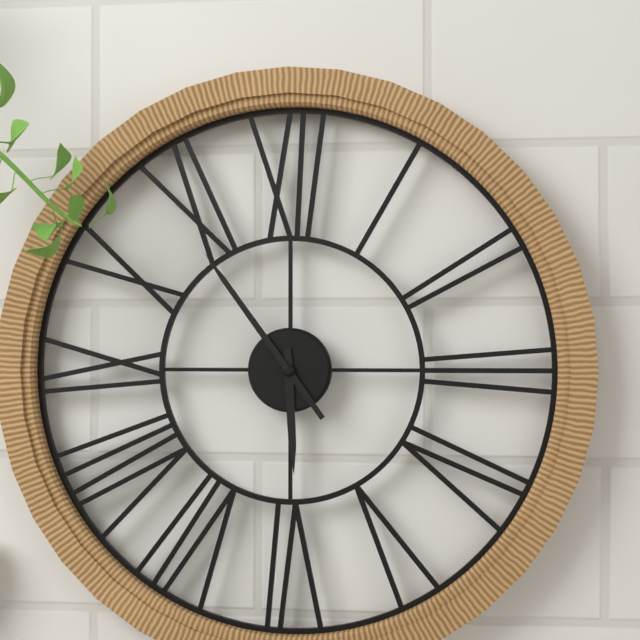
**5:54**
